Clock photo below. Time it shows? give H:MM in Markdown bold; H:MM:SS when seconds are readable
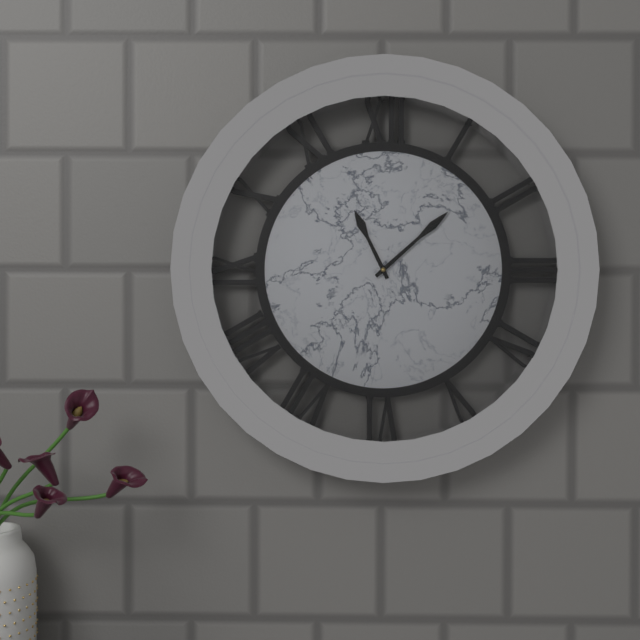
**11:08**
